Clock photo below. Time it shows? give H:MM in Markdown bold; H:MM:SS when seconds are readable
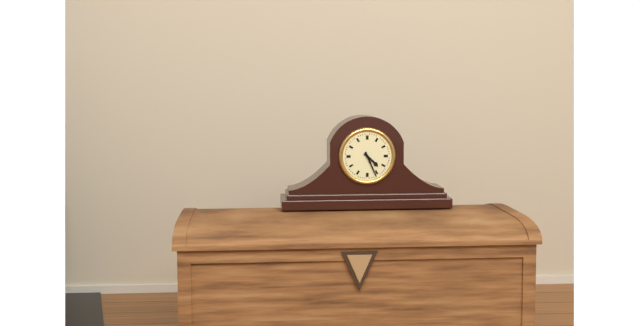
**4:26**
